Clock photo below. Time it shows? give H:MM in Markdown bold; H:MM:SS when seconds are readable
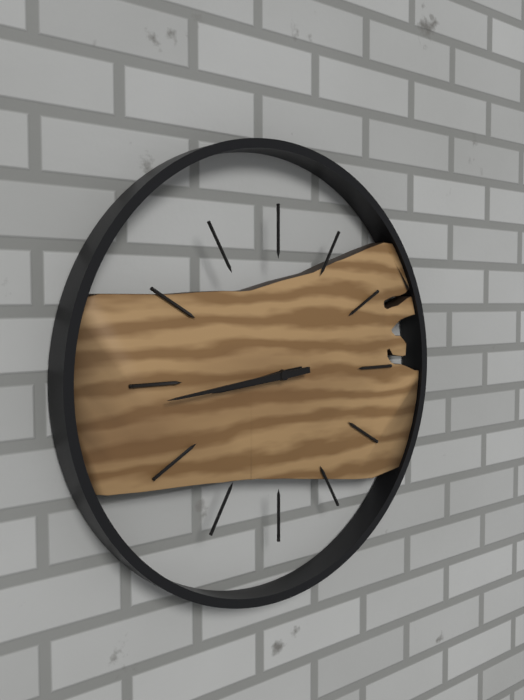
**8:44**
